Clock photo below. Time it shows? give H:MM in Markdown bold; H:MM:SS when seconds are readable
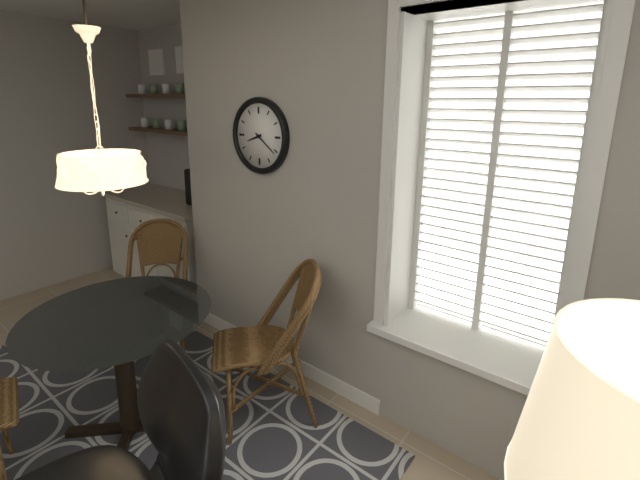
**8:21**
